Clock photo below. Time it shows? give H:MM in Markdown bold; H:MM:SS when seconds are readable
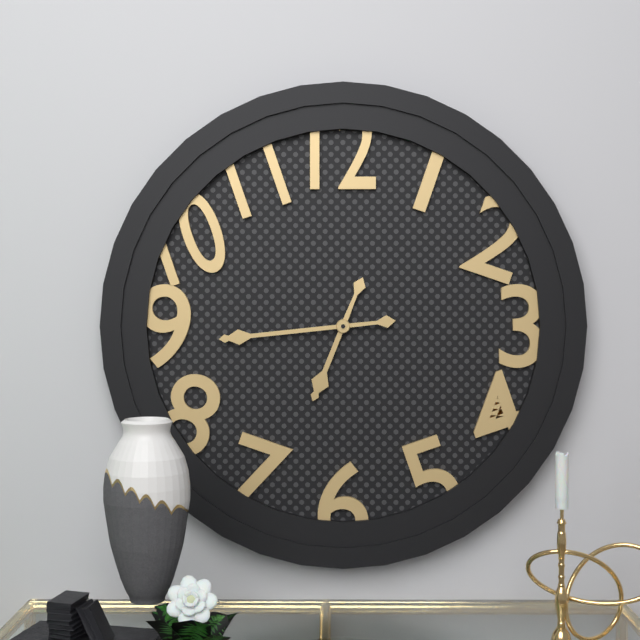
**6:44**
